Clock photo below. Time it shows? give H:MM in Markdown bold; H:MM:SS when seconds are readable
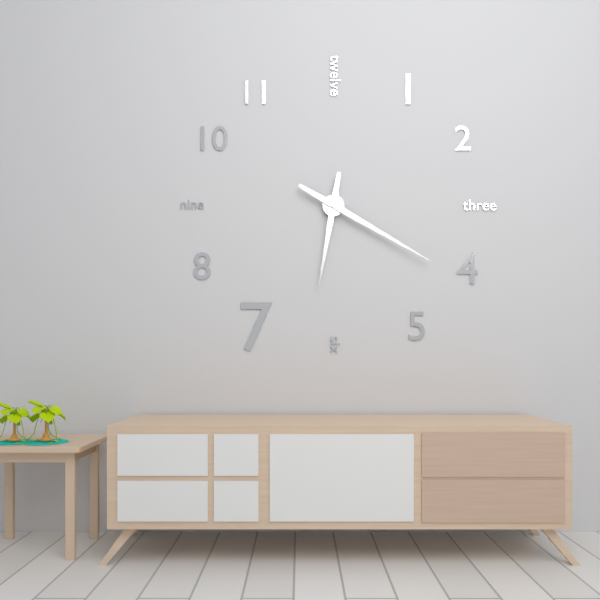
**6:20**
